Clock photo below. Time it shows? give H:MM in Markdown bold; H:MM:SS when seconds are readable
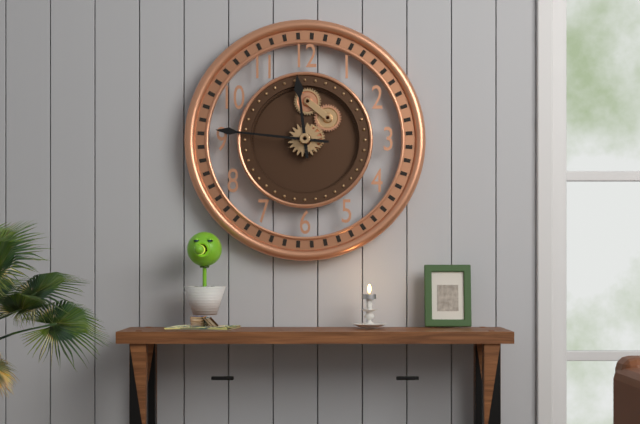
**11:46**
